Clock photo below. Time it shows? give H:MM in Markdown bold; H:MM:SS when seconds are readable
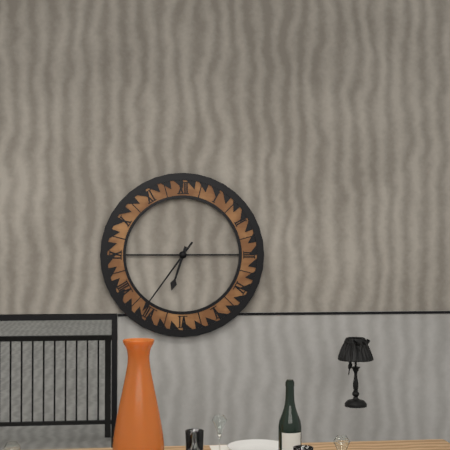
**6:36**
